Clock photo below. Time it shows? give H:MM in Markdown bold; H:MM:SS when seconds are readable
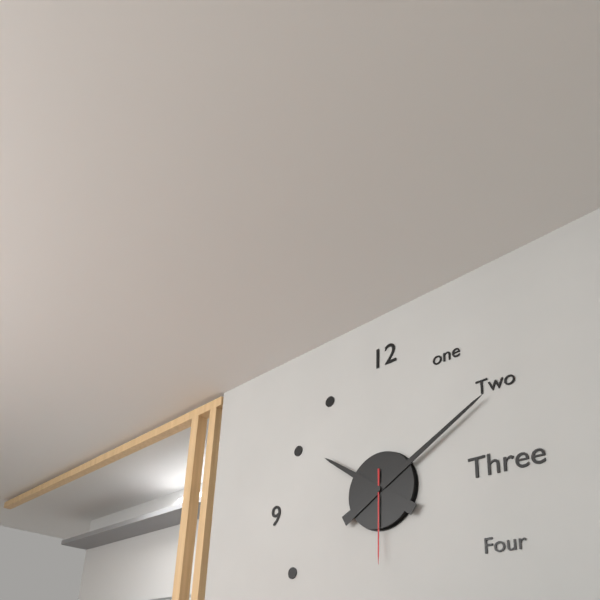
**10:10:30**
